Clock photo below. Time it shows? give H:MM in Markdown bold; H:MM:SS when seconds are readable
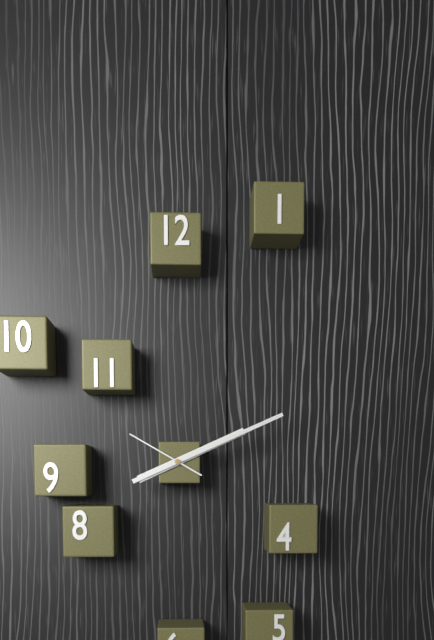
**2:11:50**
